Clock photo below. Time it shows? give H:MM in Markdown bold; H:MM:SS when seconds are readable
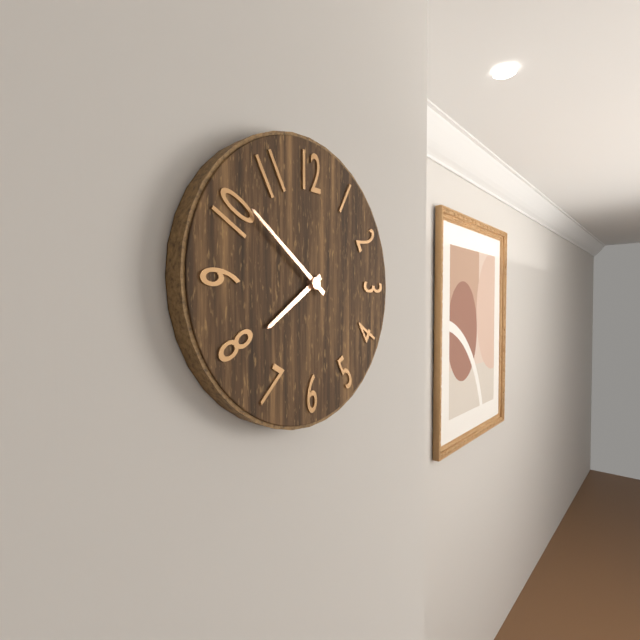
**7:51**
